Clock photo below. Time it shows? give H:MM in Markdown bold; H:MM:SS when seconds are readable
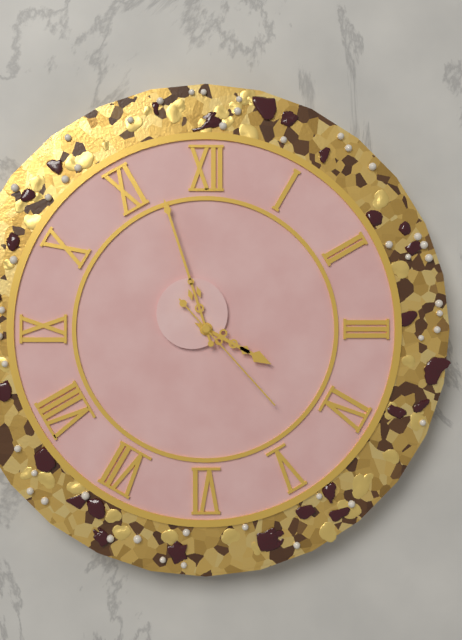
**3:57:23**
